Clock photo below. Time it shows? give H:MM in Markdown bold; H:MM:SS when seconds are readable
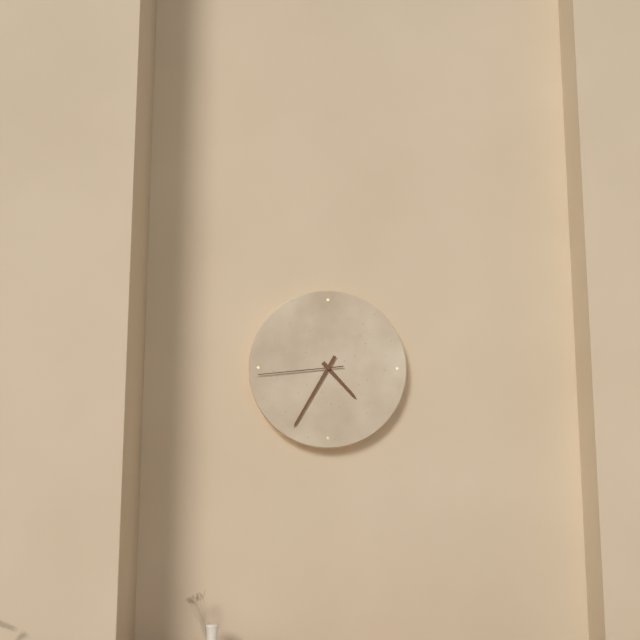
**4:35:44**
